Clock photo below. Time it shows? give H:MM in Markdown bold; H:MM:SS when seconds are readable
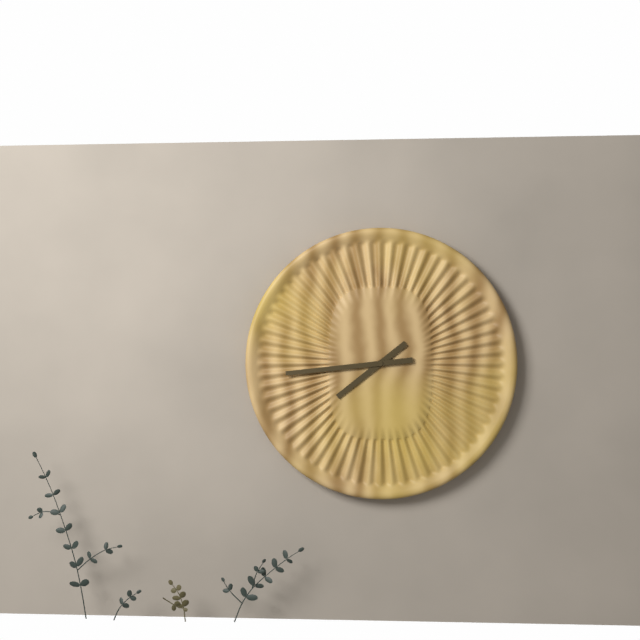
**7:44**
